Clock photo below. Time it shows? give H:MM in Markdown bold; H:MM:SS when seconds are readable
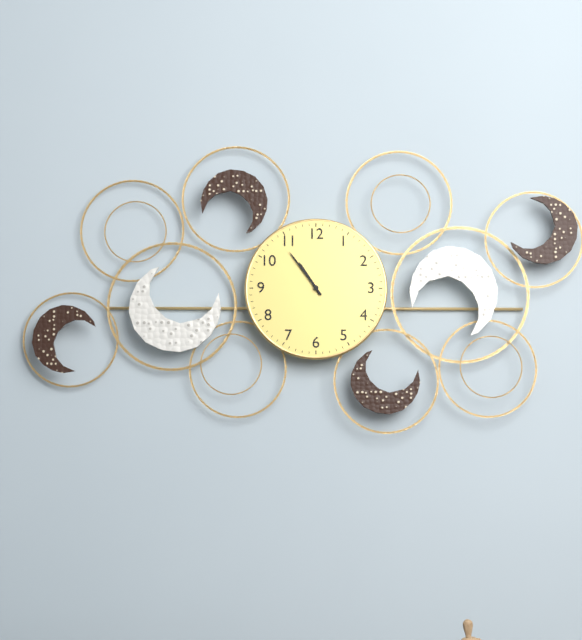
**10:54**
